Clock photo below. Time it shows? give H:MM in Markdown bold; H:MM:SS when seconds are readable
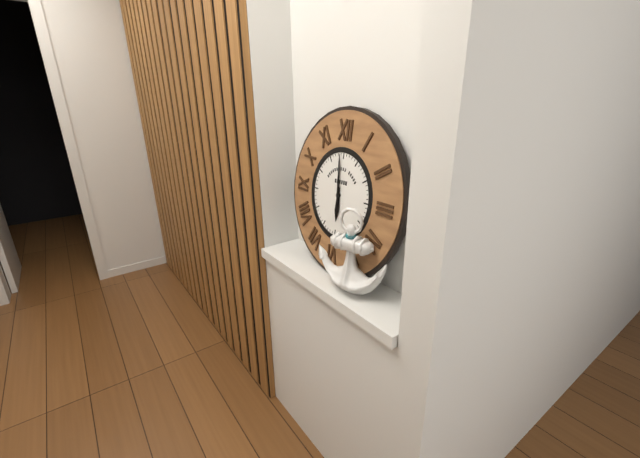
**5:59**
